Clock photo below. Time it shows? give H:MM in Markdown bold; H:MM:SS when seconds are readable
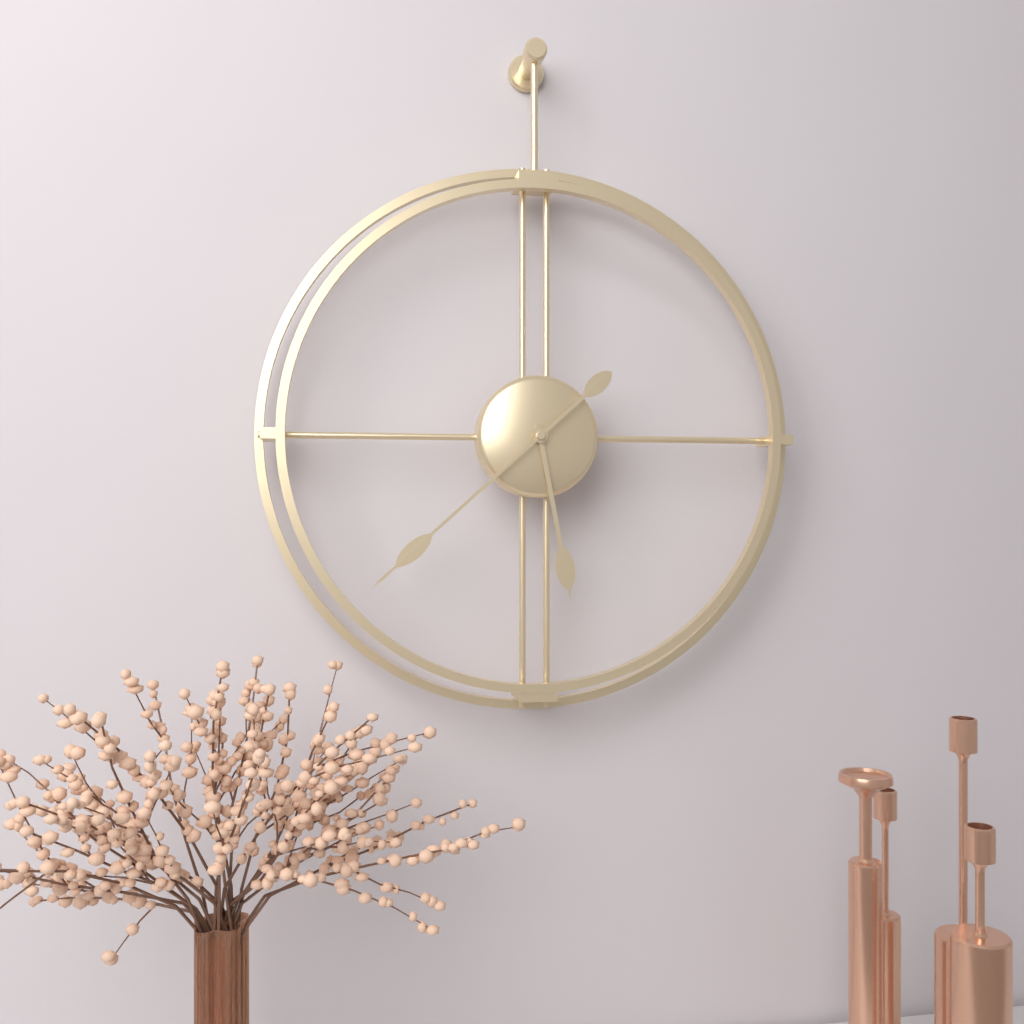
**5:38**
